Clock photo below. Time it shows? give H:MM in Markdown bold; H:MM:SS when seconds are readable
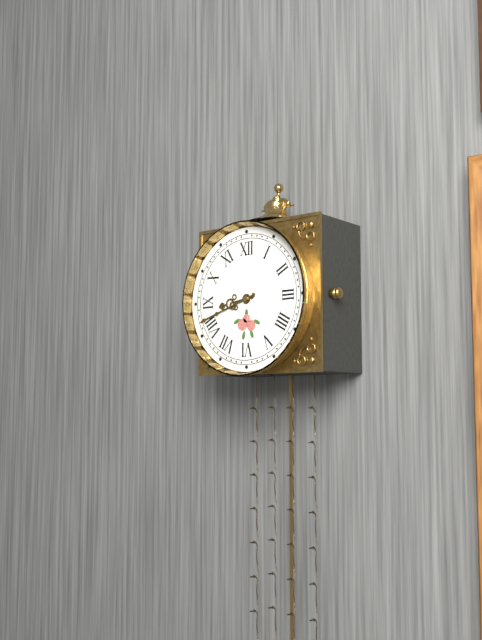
**8:42**
